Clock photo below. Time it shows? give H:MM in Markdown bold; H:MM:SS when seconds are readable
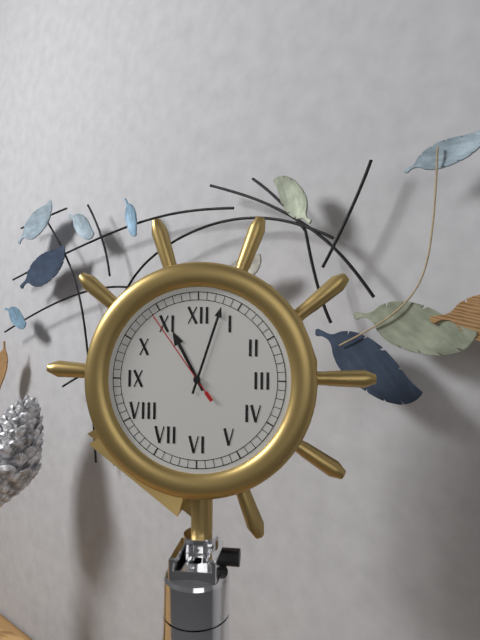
**11:03:54**
